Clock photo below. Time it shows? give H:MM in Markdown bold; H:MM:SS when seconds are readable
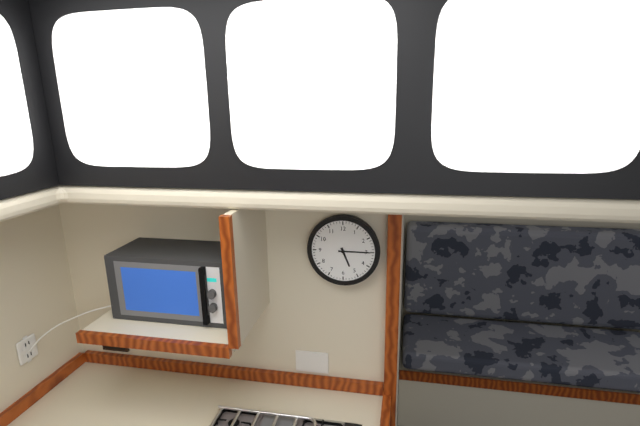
**5:15**
